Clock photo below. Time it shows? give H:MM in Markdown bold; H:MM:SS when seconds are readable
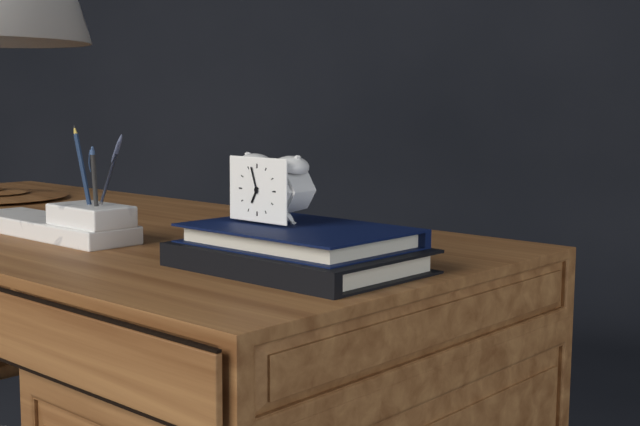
**6:57**
